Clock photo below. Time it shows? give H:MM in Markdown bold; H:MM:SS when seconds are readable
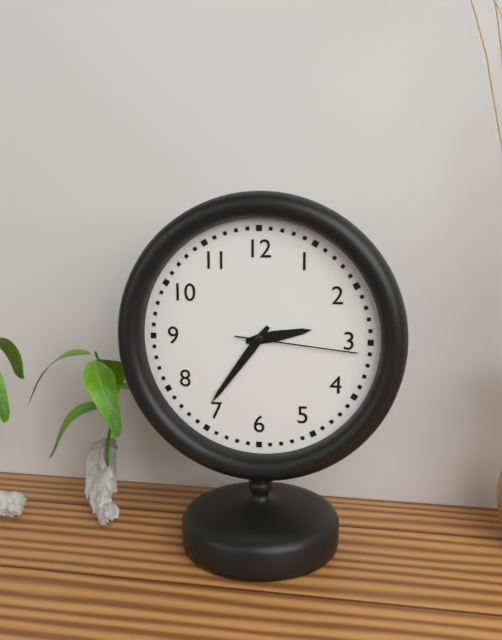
**2:36:16**
